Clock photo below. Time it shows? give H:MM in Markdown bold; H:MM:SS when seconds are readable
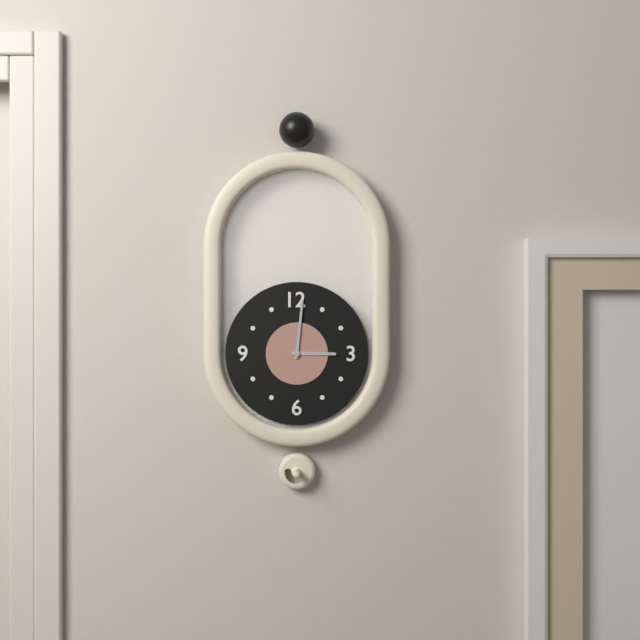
**3:01**
